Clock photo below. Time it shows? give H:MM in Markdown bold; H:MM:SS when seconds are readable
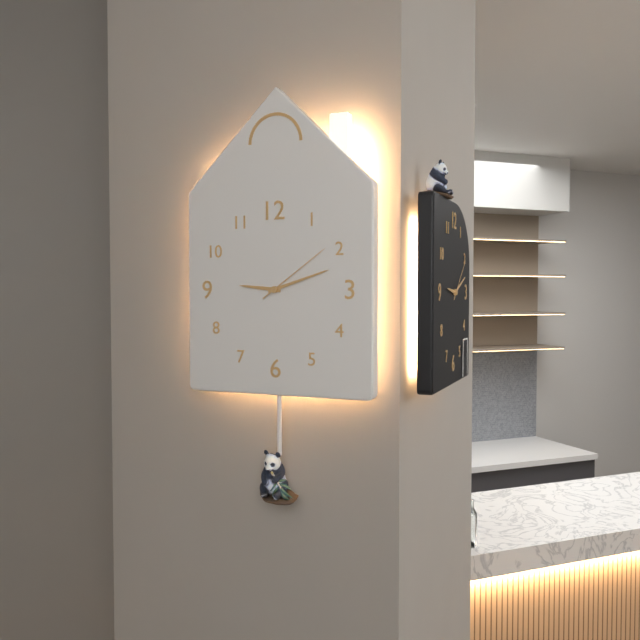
**9:12:09**
